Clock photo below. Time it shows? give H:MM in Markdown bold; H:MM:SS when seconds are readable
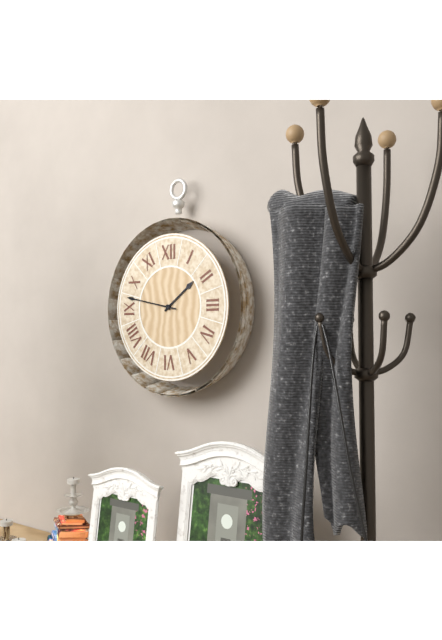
**1:47**
